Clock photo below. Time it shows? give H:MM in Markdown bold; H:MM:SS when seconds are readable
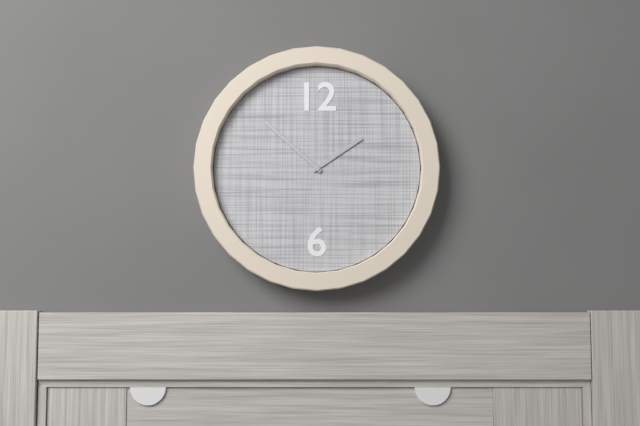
**1:52**
